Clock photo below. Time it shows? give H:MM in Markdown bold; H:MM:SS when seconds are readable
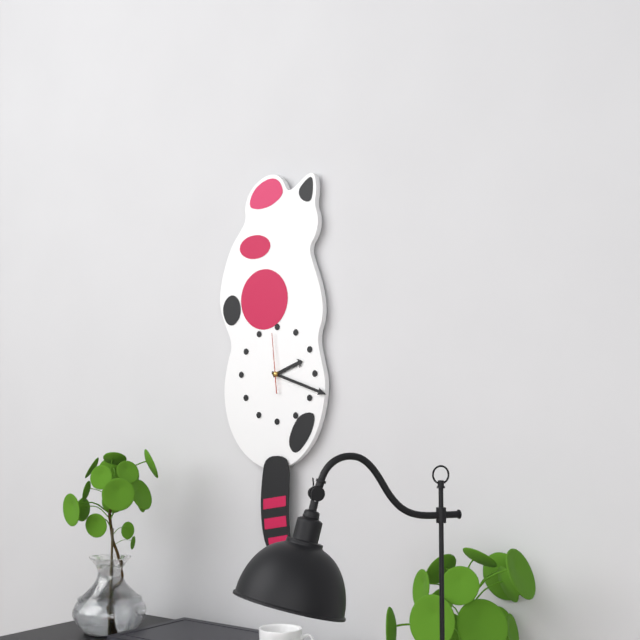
**2:18:59**
